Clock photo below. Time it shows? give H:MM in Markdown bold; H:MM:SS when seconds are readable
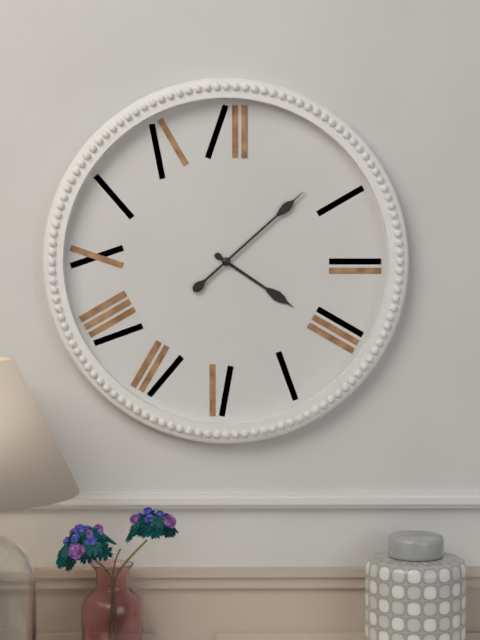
**4:08**
